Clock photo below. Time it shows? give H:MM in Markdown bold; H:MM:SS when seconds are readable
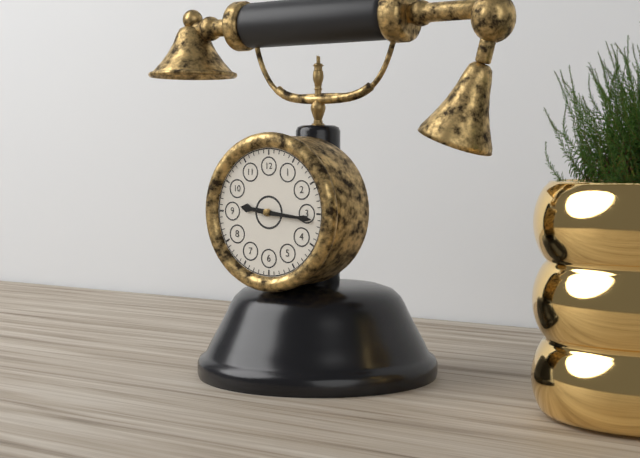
**9:16**
